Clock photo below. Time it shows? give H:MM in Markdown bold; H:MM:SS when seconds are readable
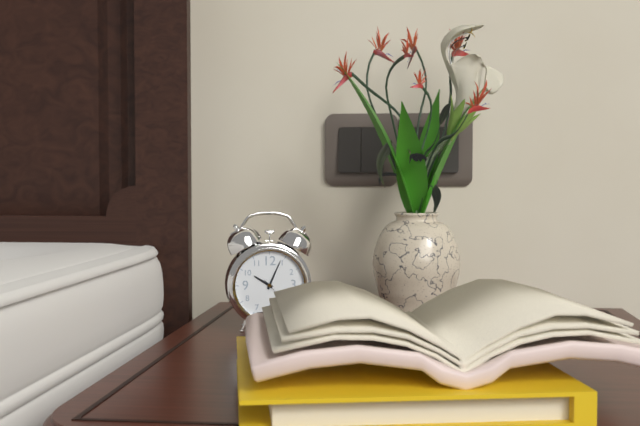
**10:04**
